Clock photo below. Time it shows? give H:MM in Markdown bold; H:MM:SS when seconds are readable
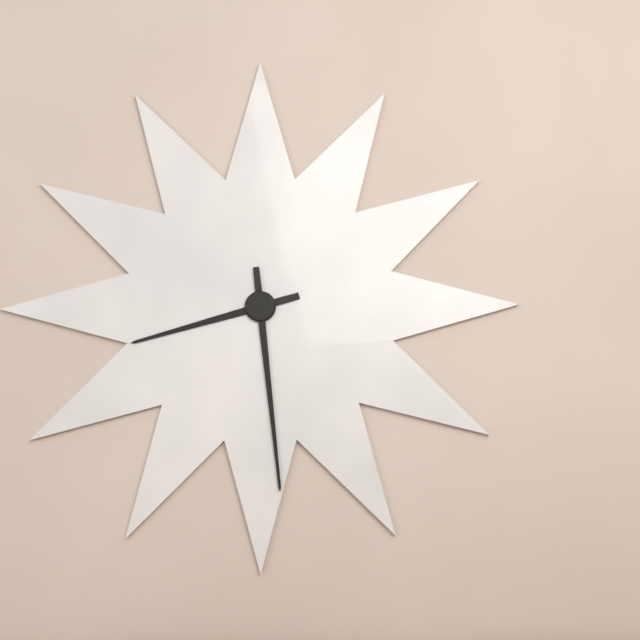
**8:29**
